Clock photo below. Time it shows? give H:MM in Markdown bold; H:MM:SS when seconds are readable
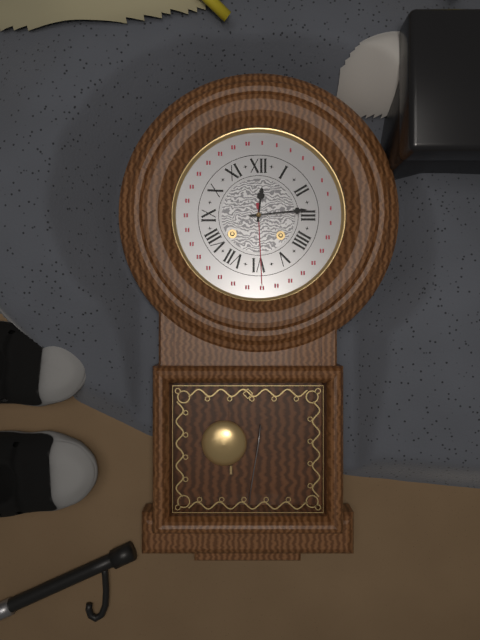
**12:14**
